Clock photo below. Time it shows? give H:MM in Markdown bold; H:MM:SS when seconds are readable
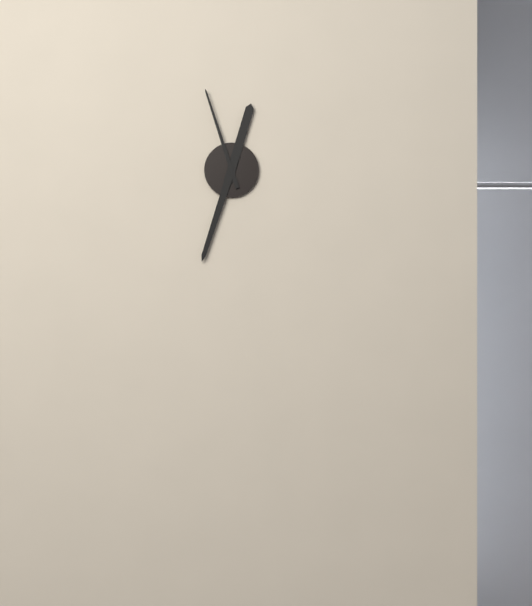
**12:33:57**
